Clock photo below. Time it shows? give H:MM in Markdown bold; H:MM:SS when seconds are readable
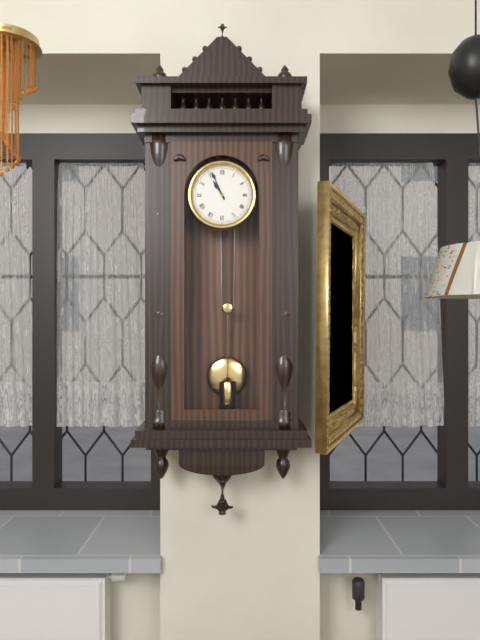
**10:56**
